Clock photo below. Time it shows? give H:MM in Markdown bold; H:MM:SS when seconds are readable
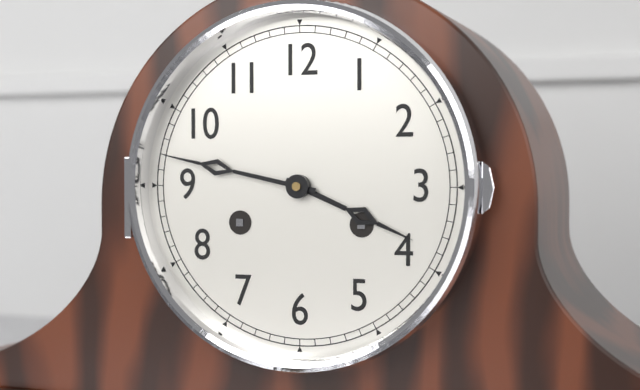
**3:47**
